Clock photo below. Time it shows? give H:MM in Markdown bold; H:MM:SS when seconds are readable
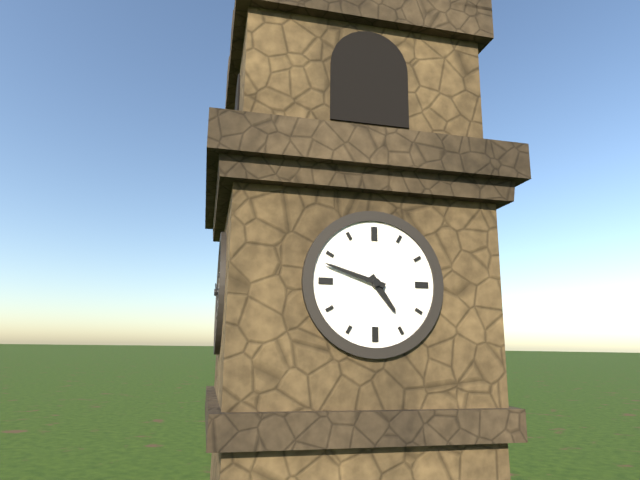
**4:48**
